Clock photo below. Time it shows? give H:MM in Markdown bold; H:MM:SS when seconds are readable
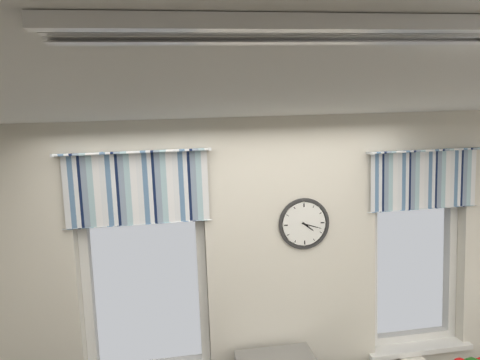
**4:18**
